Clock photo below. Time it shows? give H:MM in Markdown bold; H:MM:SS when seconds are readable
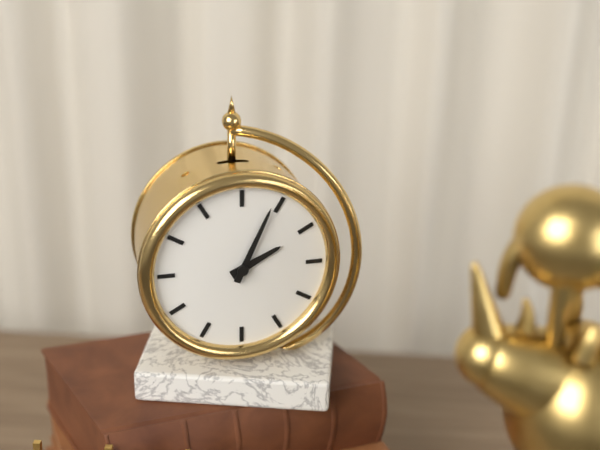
**2:04**
